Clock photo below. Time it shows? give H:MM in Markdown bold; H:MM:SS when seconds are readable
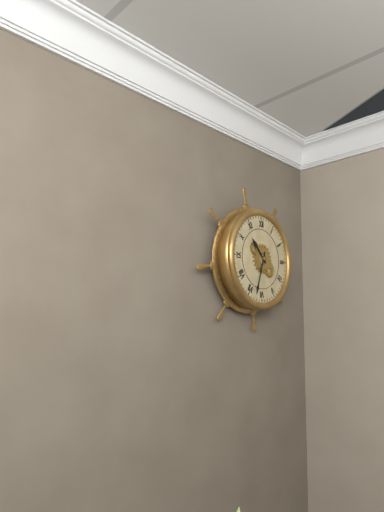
**10:33**
